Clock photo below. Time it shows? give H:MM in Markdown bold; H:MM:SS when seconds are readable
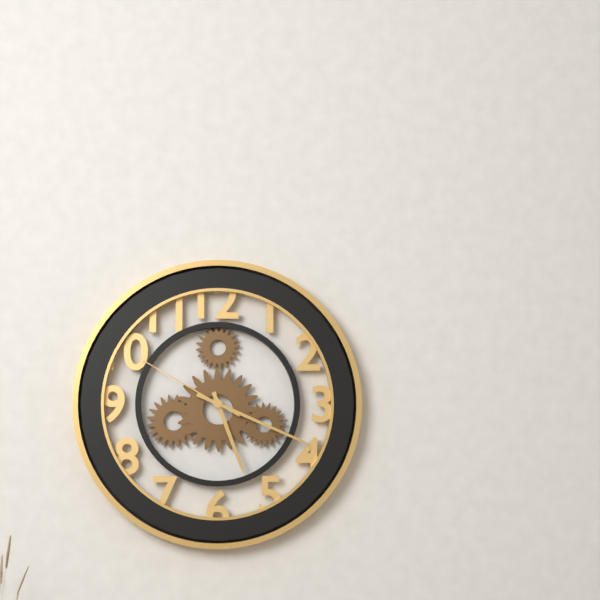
**5:19:50**
